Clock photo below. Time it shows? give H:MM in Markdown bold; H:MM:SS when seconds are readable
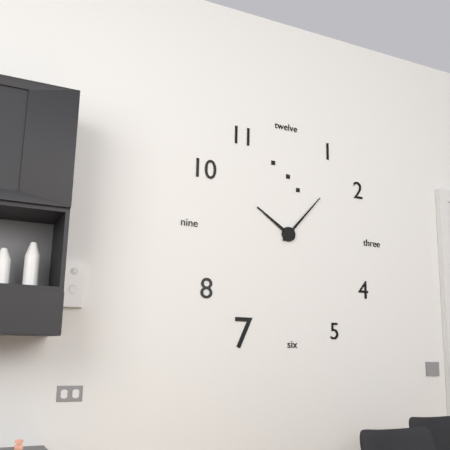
**10:07**
